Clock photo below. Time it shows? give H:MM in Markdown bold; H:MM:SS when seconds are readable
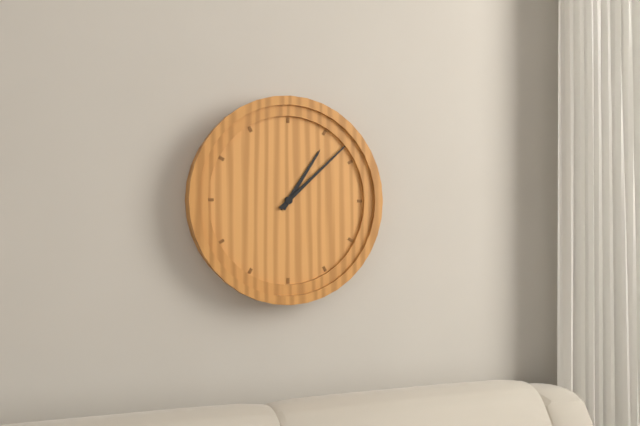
**1:08**
